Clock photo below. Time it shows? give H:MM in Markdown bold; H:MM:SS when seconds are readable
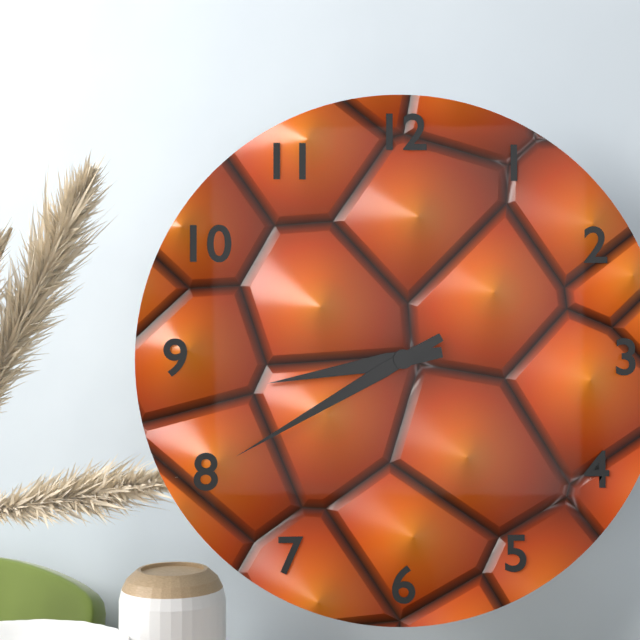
**8:40**
